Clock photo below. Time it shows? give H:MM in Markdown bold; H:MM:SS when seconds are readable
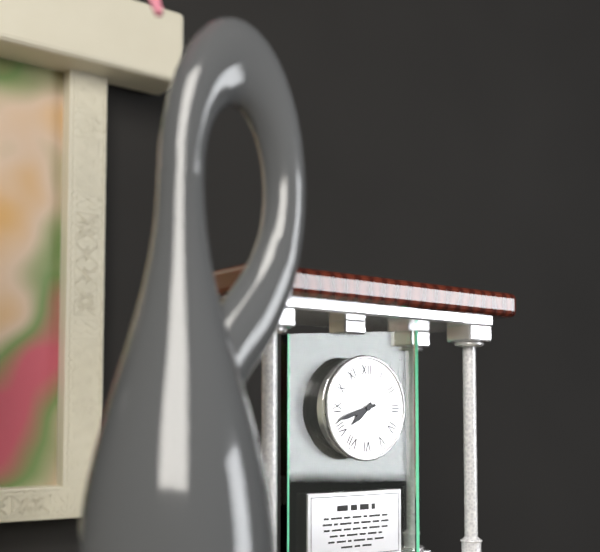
**7:42**
